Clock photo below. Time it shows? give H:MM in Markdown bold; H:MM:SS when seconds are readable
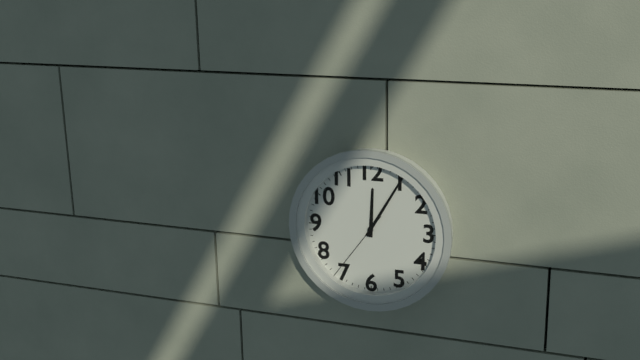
**12:05:36**
